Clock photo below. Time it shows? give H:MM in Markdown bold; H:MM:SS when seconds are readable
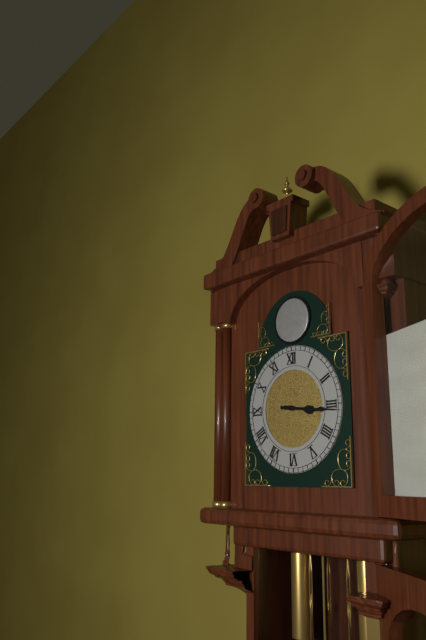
**3:16**
